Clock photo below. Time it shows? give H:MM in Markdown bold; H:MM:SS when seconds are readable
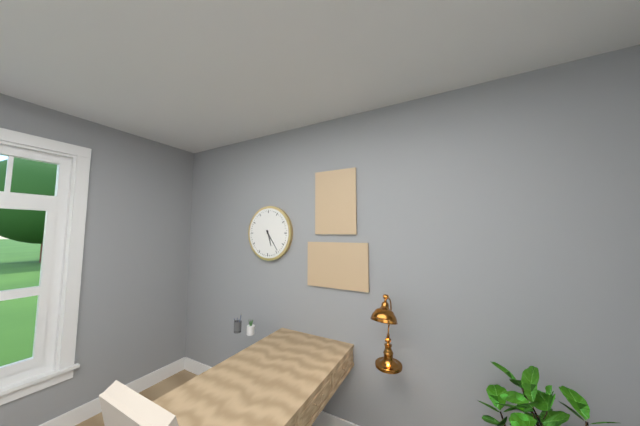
**5:24**
